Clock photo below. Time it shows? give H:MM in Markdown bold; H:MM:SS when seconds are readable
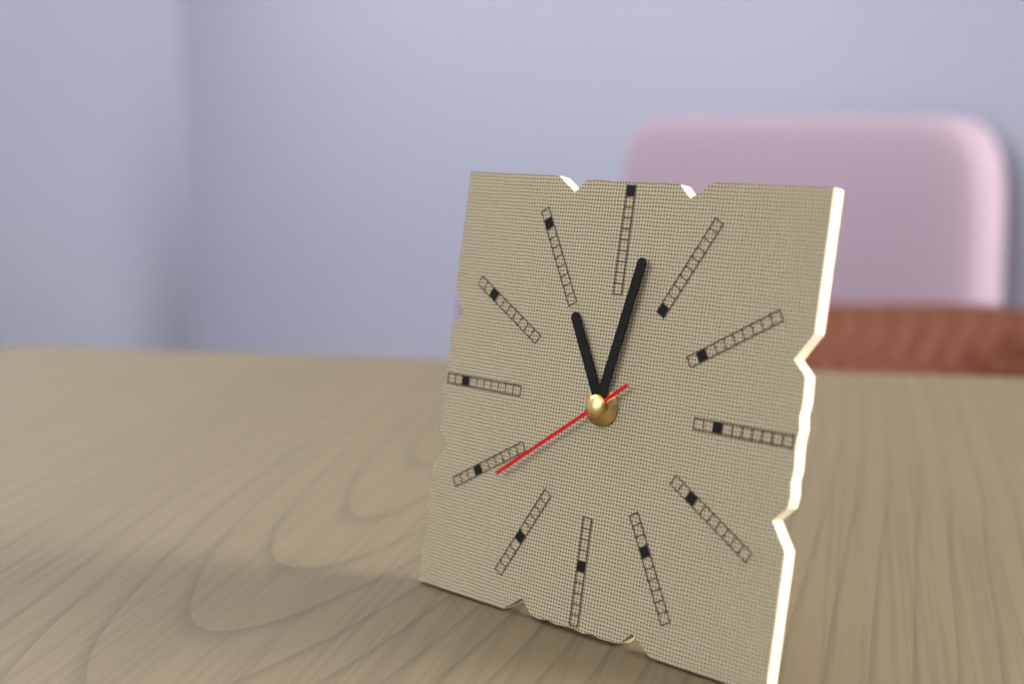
**11:02:39**
